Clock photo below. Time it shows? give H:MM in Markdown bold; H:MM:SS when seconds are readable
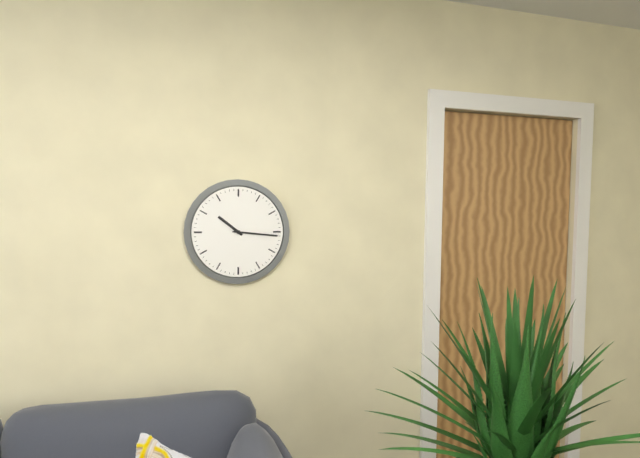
**10:16**
